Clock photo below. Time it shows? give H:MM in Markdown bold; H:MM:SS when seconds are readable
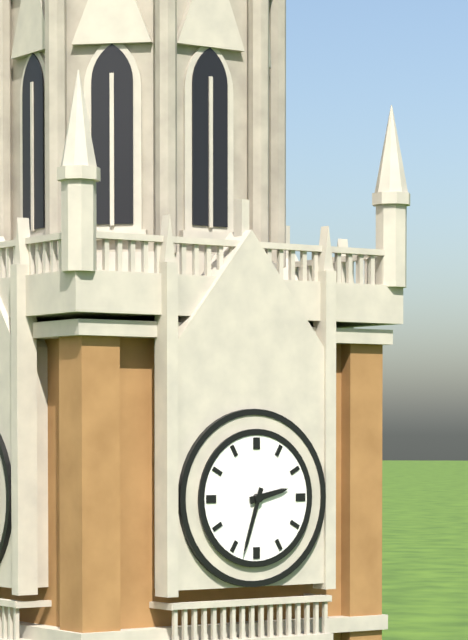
**2:33**
